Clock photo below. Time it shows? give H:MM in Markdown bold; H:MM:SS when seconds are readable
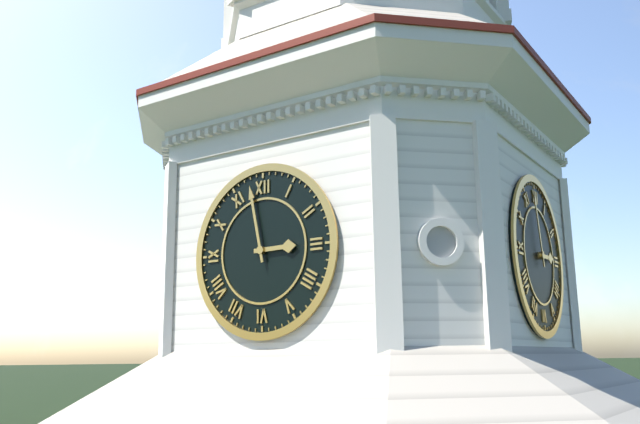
**2:58**
